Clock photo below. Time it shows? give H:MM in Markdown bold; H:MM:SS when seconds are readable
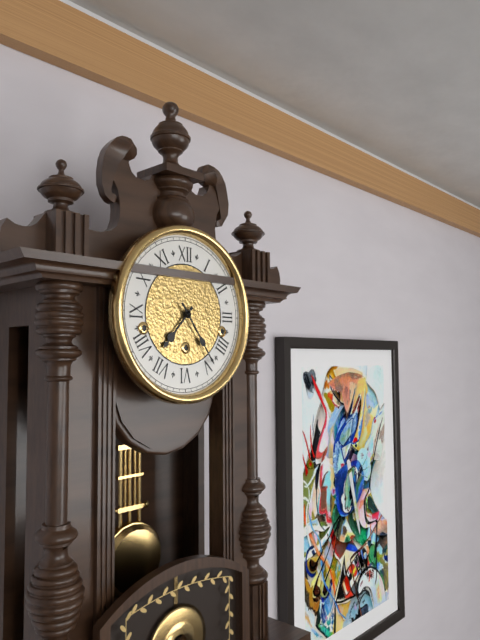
**7:24**
